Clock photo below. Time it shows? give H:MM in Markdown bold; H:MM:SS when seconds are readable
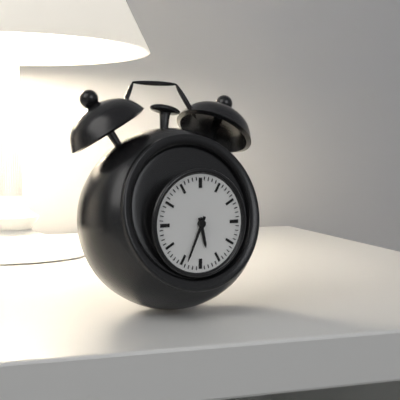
**5:34**
